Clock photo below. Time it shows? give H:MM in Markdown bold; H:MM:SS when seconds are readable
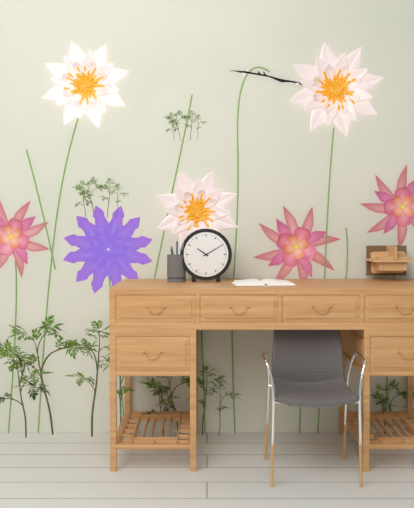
**10:10**
